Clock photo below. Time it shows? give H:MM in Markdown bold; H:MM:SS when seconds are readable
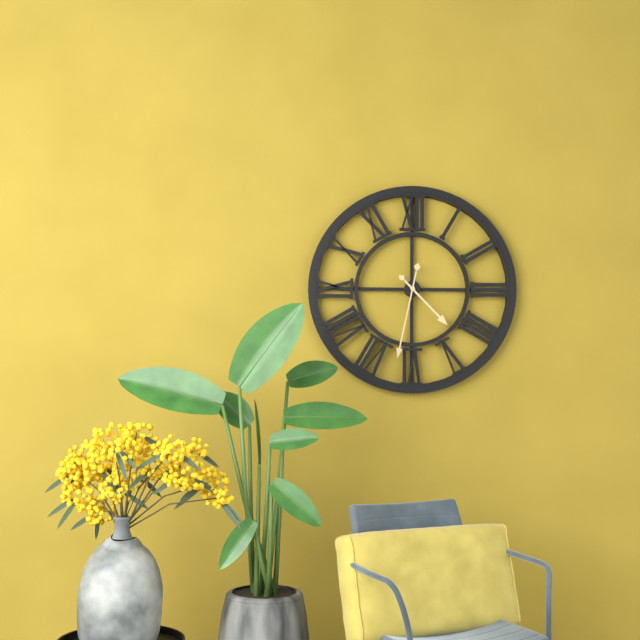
**4:32**
